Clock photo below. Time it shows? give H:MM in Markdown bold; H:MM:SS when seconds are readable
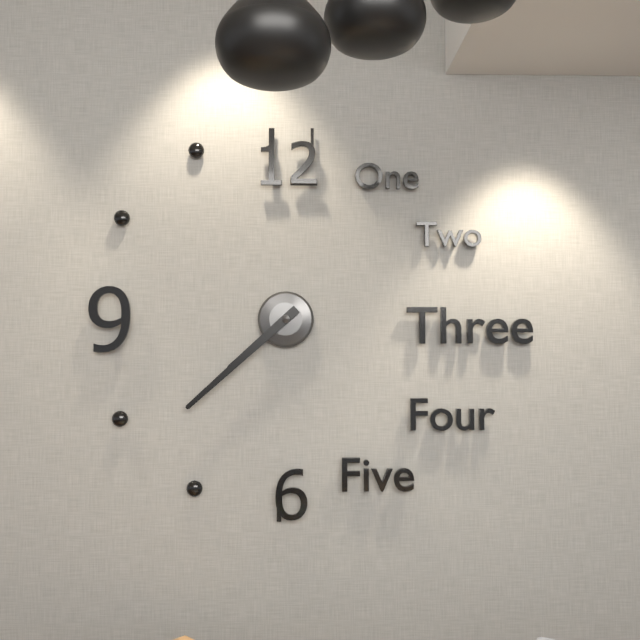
**7:38**
